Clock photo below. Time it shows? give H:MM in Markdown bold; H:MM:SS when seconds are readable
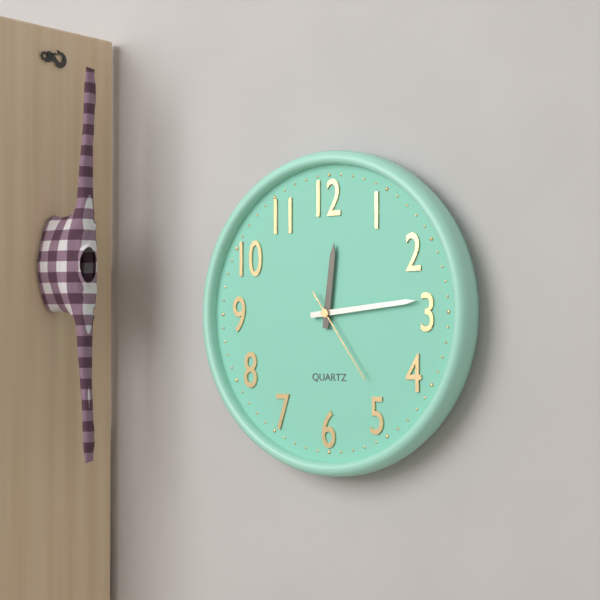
**12:14:24**
